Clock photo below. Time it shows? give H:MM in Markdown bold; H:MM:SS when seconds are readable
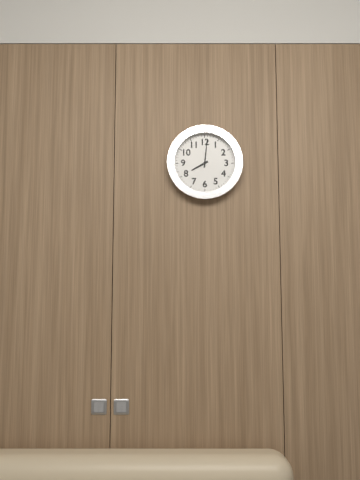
**8:01**
